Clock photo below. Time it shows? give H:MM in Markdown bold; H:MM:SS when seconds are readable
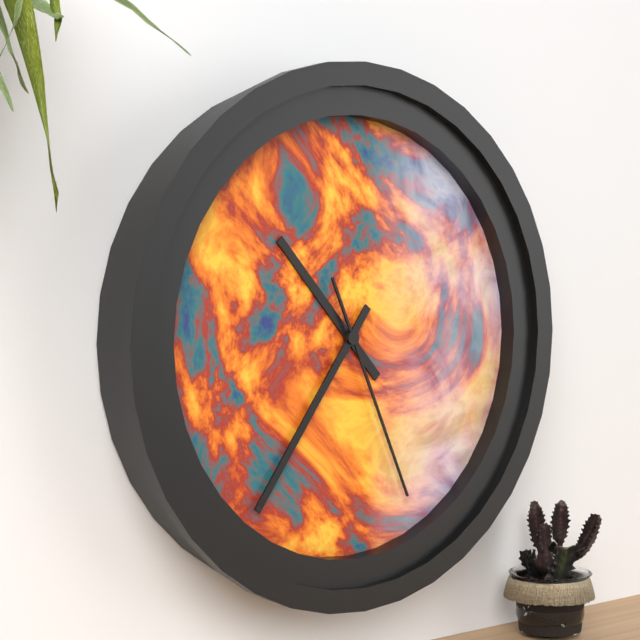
**10:36:26**
